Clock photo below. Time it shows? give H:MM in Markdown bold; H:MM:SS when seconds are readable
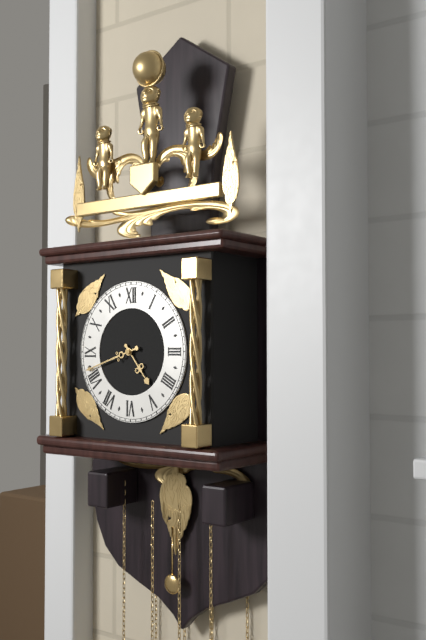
**4:42**
